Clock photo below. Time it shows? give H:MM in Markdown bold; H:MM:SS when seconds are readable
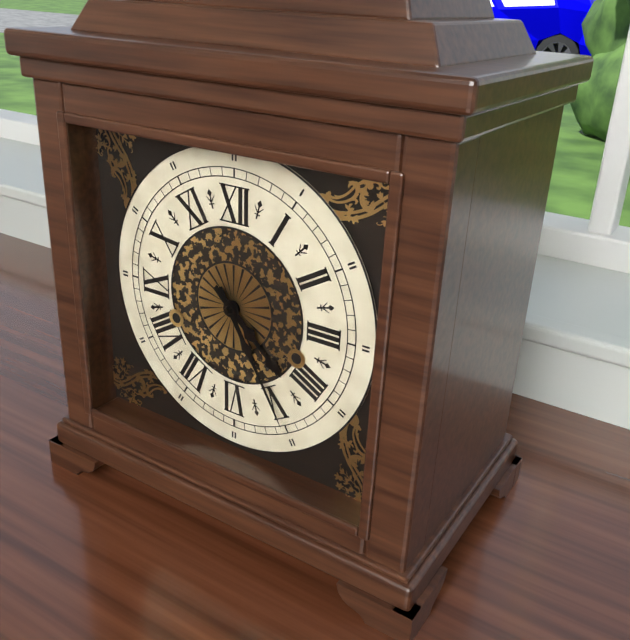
**4:25**
